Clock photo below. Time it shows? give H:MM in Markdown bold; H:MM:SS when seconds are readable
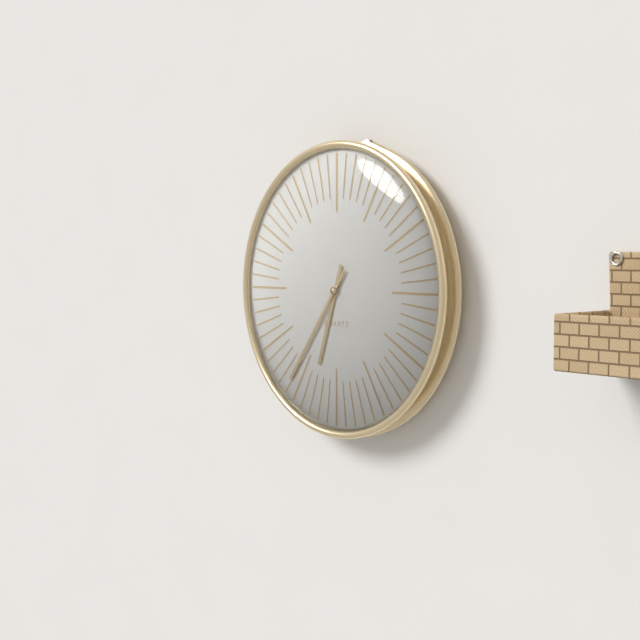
**6:36**
